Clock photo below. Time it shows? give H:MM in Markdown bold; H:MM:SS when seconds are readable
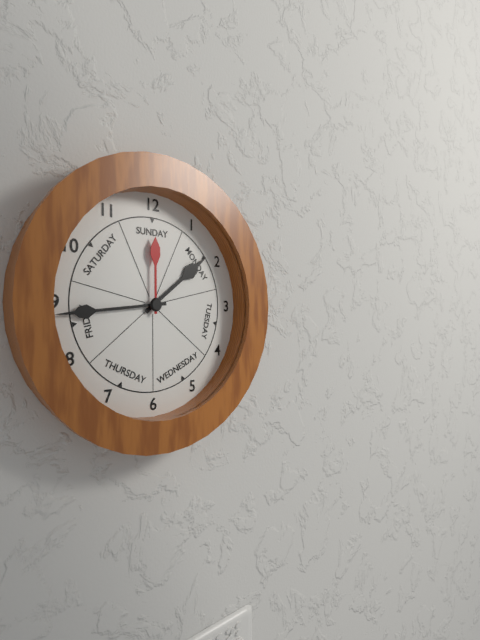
**1:44:00**
